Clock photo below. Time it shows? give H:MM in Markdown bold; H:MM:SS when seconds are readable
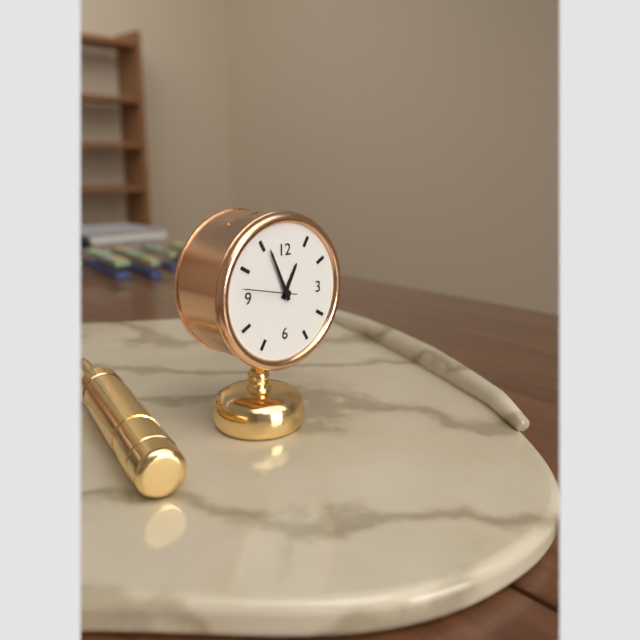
**12:56:47**
